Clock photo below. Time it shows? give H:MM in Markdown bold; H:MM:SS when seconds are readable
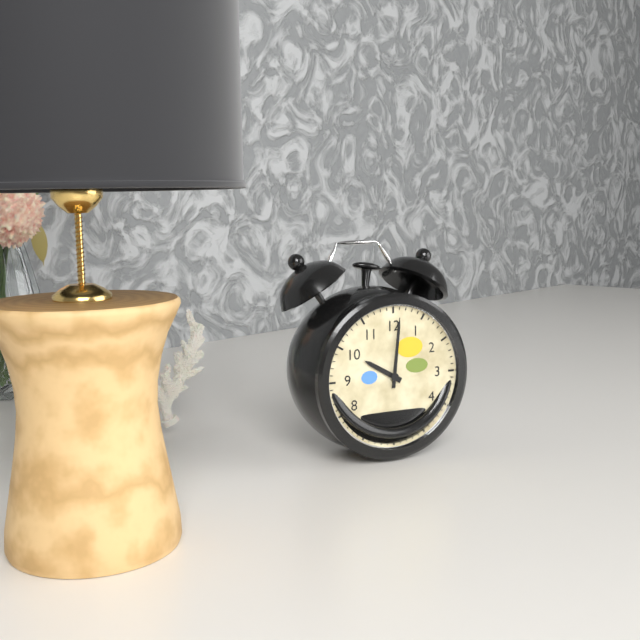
**10:01**
